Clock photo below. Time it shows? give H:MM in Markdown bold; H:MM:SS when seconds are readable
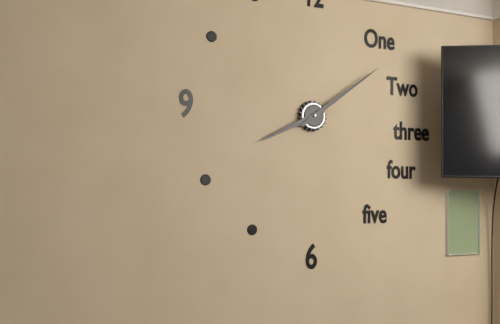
**8:09**
